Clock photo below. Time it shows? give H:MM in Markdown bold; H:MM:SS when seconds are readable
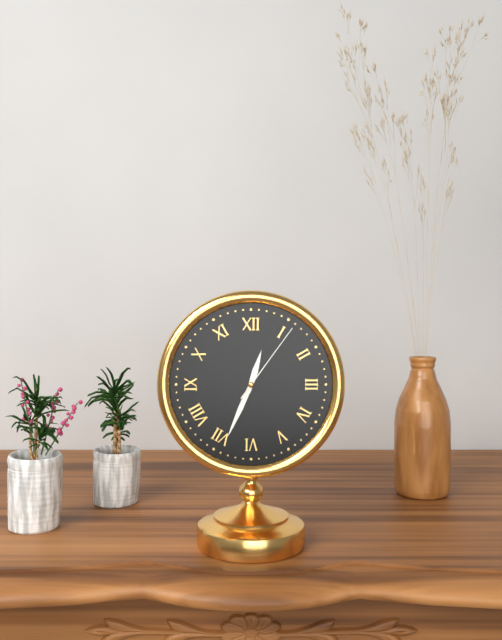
**12:34:06**
